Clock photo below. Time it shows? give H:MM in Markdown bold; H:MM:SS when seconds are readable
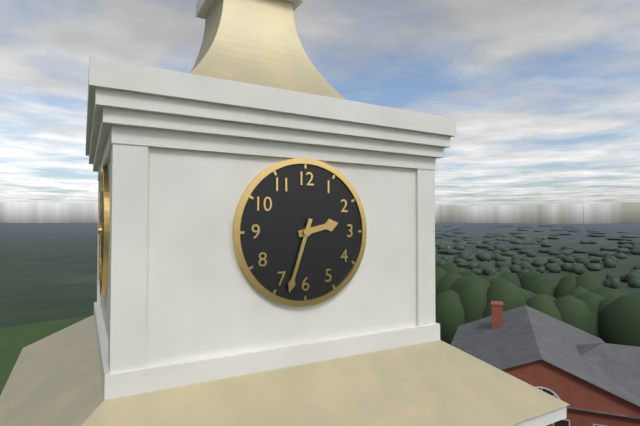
**2:33**
